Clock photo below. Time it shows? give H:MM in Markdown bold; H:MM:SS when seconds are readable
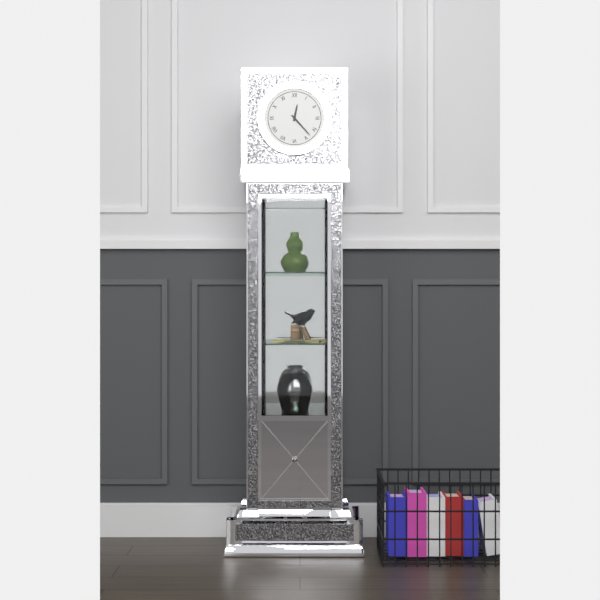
**12:23**
